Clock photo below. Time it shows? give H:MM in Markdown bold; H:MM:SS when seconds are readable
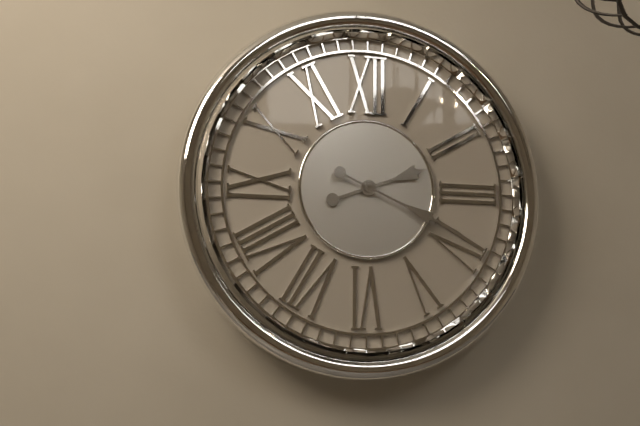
**2:19**
